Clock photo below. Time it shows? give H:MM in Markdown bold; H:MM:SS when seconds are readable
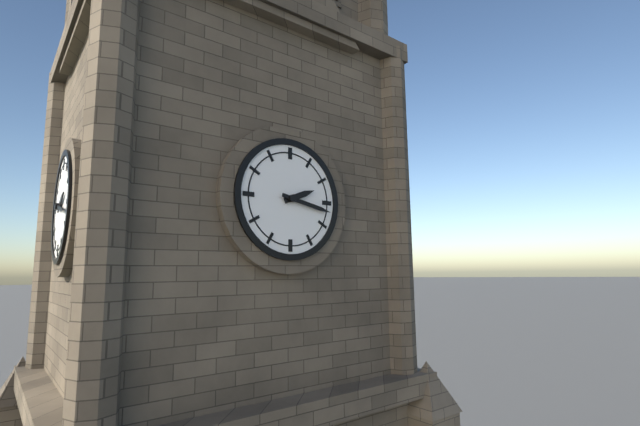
**2:17**
